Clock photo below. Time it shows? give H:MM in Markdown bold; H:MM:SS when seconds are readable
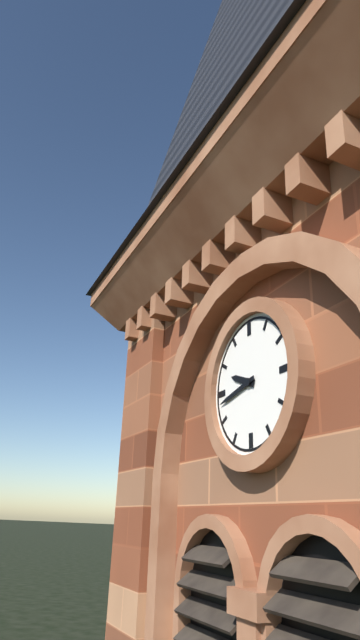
**9:43**
